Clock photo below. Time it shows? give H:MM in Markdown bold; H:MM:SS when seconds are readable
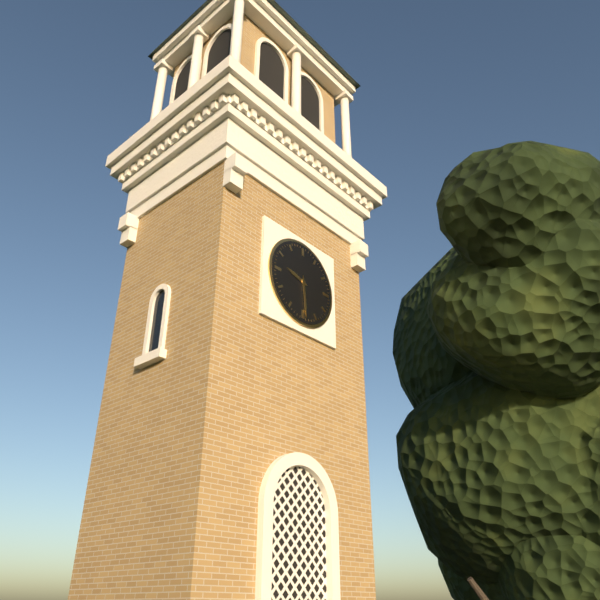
**9:29**
